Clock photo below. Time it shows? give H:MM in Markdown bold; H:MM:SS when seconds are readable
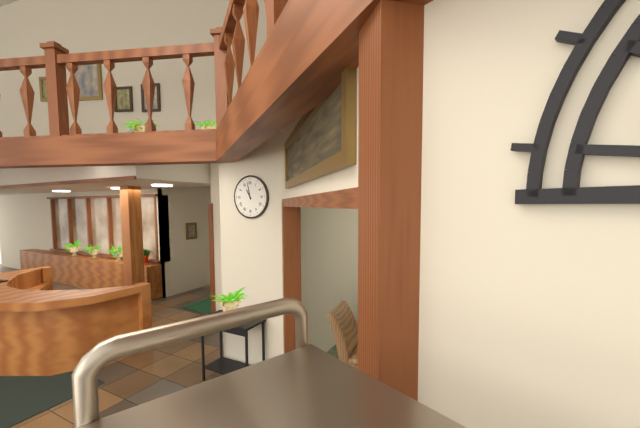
**10:58**
